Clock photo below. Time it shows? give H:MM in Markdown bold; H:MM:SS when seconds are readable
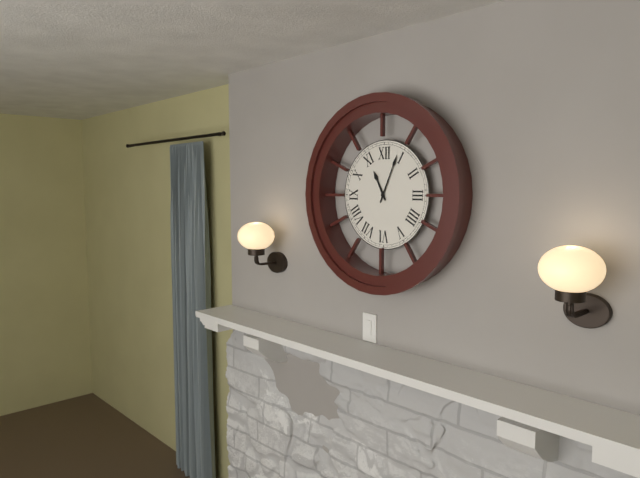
**11:04**
